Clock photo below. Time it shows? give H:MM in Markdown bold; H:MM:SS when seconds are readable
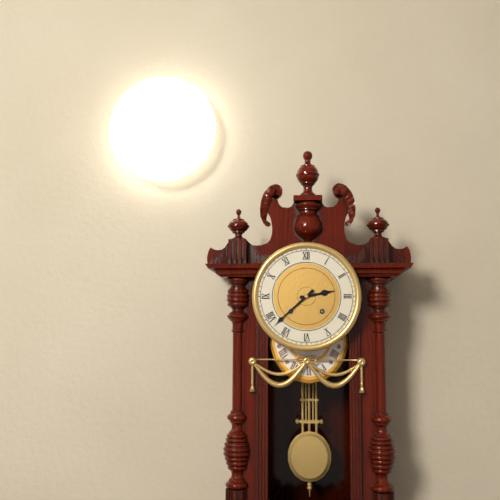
**2:38**
